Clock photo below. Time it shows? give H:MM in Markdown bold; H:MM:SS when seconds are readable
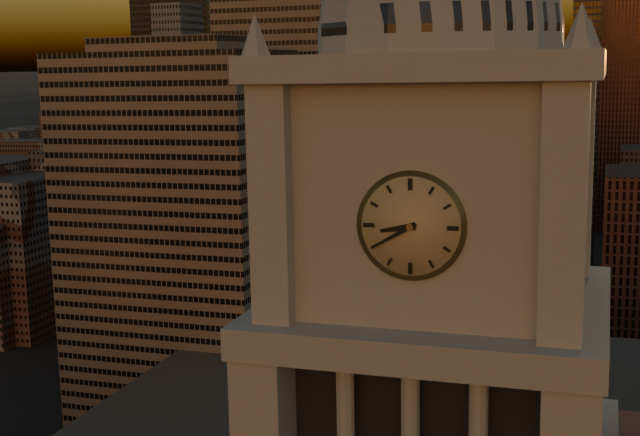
**8:40**
